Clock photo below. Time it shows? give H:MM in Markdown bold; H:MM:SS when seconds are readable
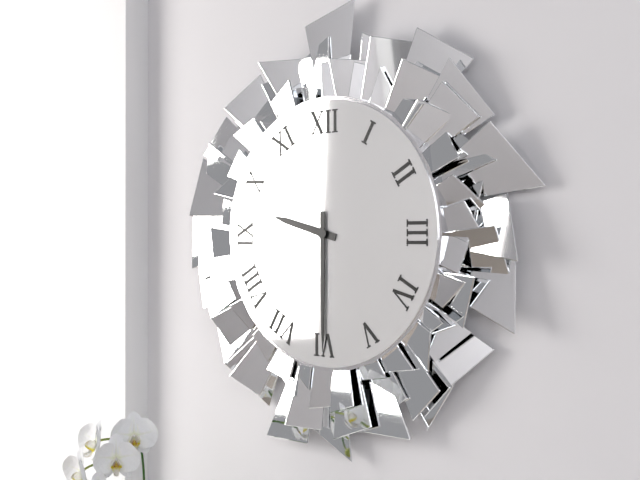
**9:30**
